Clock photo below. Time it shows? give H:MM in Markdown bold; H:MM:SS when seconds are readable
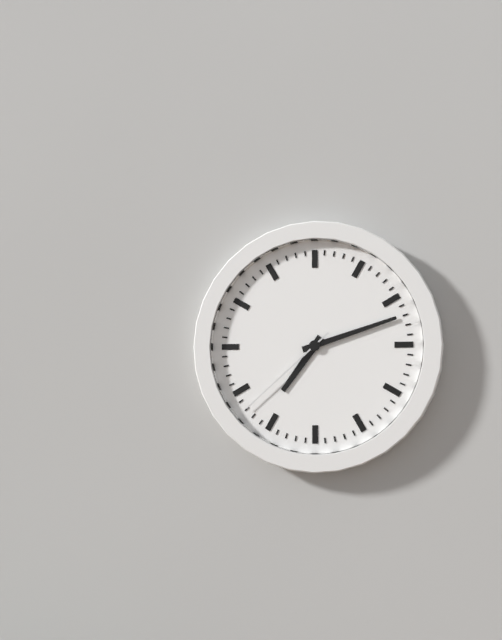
**7:12:38**
